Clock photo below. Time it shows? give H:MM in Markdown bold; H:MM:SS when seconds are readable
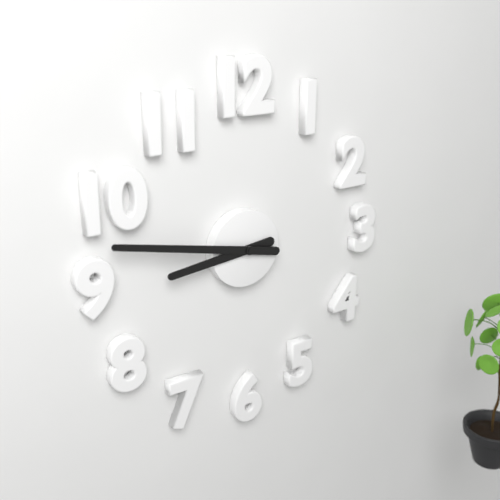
**8:47**
